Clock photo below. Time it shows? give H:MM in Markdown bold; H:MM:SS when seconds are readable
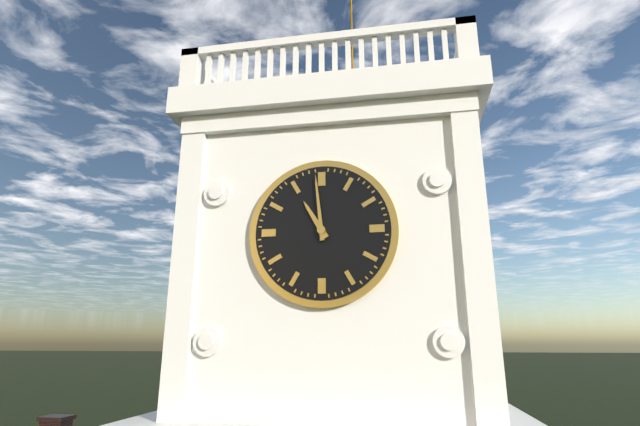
**10:59**
